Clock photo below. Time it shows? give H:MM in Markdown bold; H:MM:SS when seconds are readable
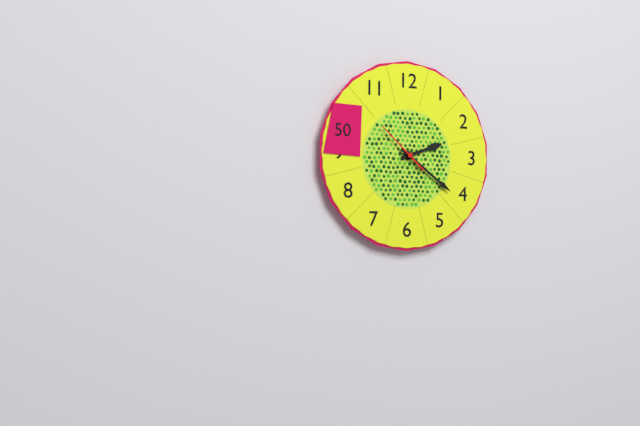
**2:21:52**
